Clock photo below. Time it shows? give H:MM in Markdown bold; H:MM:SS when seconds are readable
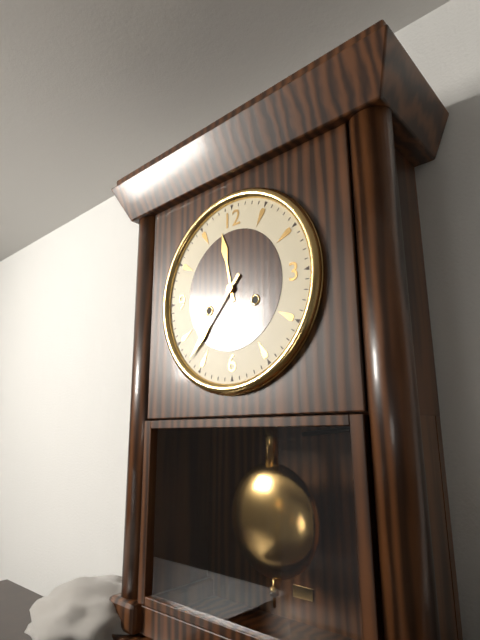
**11:37**
